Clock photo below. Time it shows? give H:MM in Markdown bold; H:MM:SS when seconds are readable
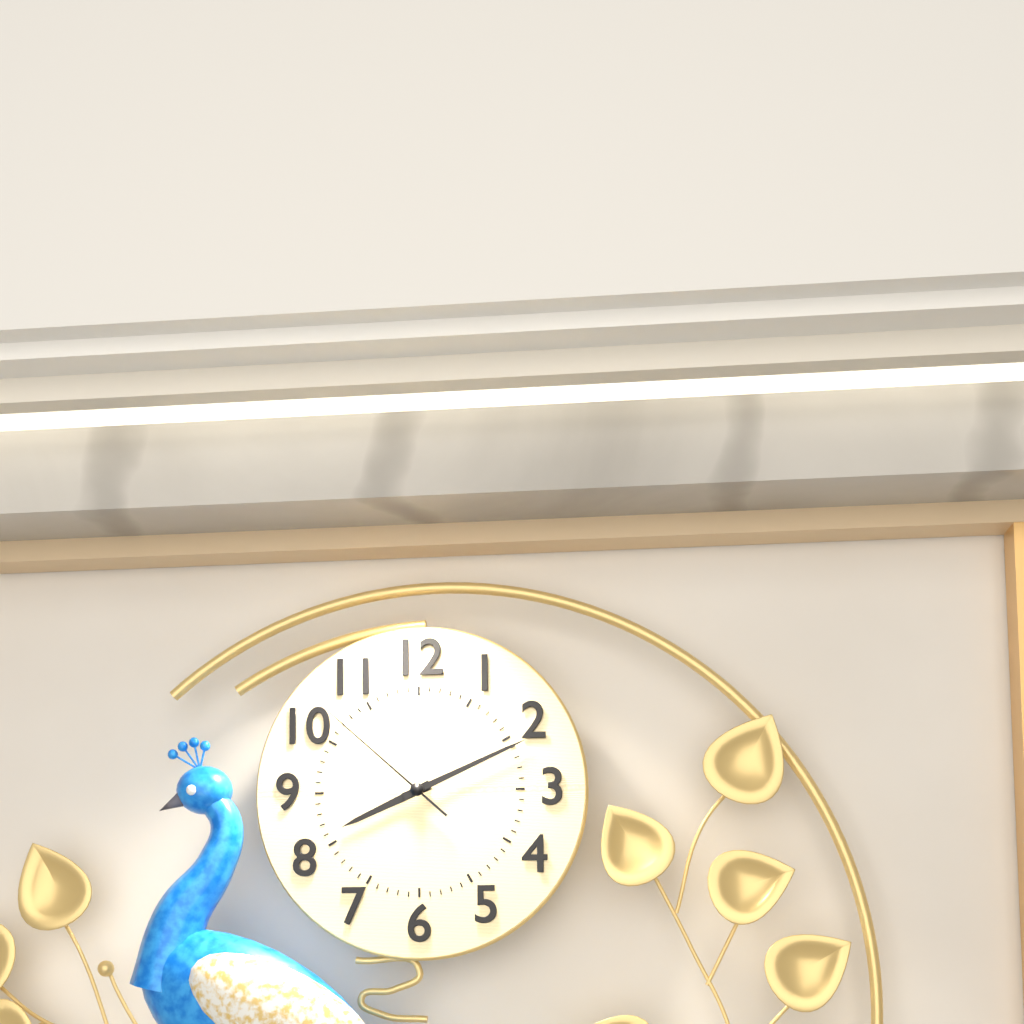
**8:11:52**
